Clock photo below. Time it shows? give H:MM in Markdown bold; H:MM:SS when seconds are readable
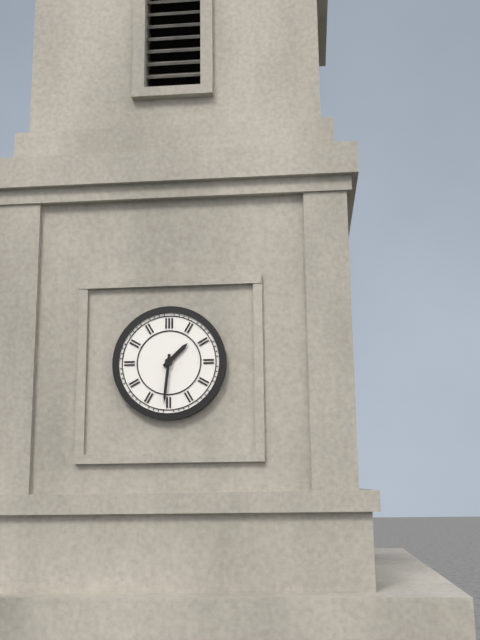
**1:31**
